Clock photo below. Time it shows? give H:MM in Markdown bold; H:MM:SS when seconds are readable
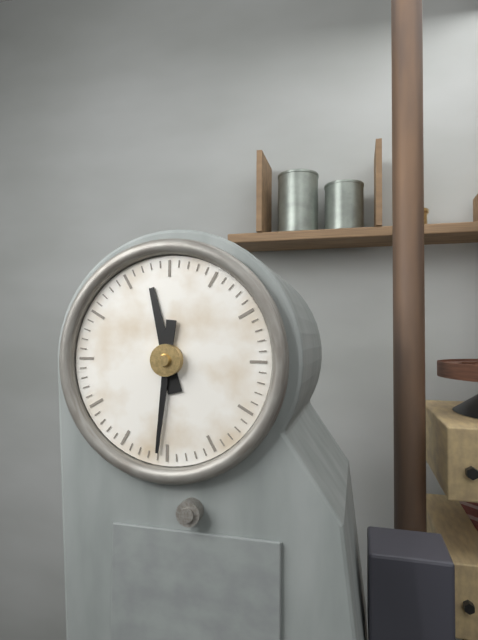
**11:31**
